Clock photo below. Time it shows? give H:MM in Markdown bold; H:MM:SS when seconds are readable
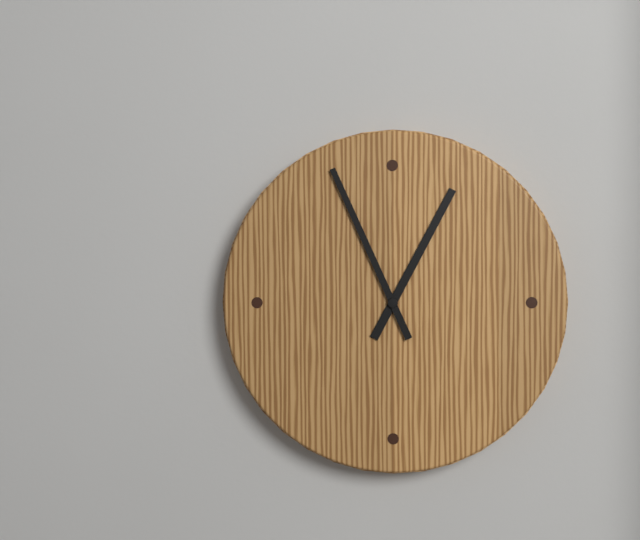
**12:56**
